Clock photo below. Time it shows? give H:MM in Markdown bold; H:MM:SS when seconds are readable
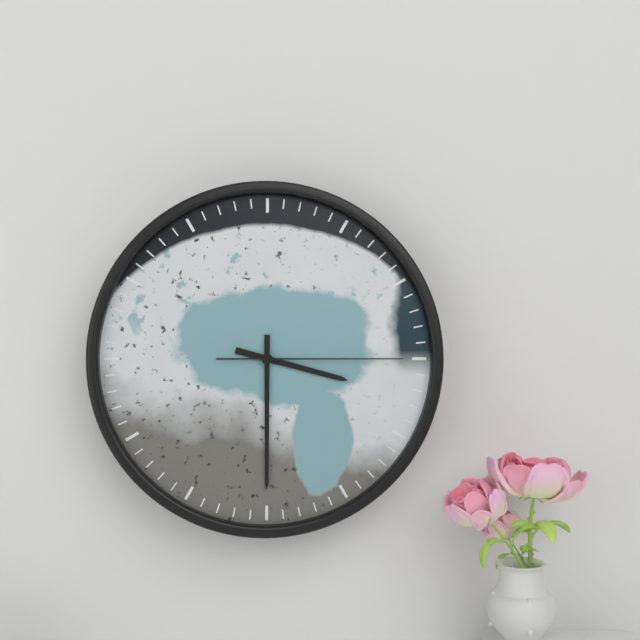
**3:30:15**
